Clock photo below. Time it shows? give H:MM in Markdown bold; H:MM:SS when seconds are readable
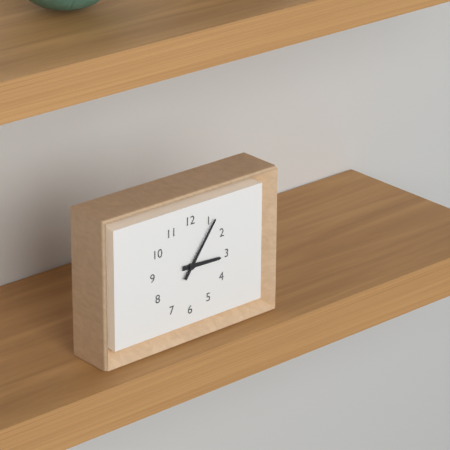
**3:06**
